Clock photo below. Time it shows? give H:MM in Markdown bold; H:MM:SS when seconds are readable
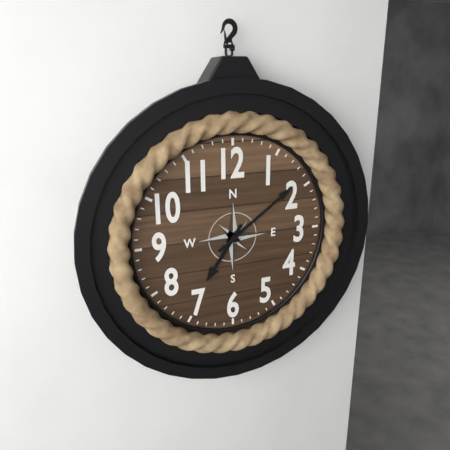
**7:09**
